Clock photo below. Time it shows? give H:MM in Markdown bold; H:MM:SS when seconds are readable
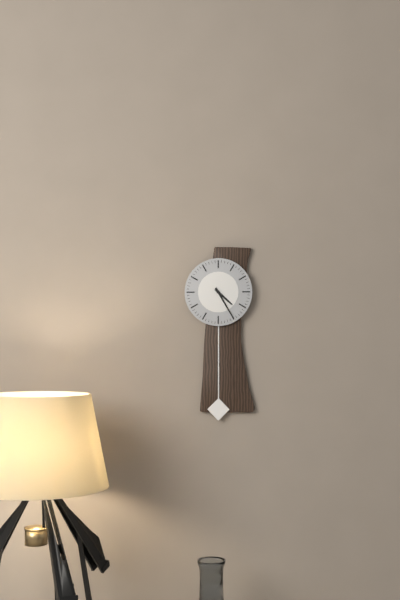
**4:25**
